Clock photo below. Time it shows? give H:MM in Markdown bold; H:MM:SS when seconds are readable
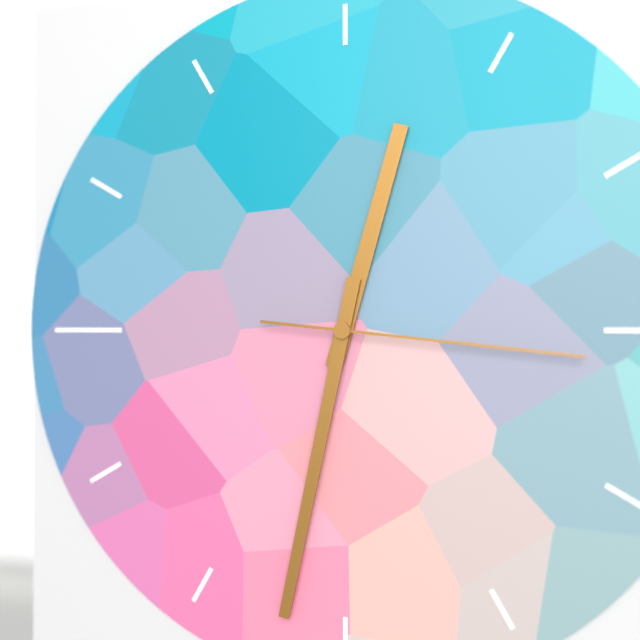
**12:32:16**
